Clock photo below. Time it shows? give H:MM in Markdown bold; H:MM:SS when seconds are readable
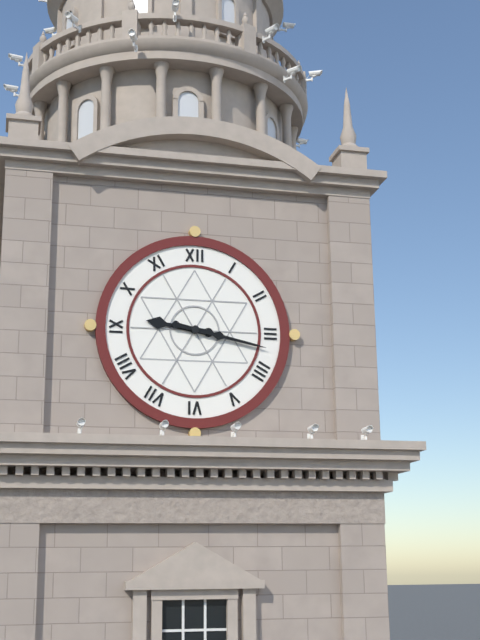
**9:17**
